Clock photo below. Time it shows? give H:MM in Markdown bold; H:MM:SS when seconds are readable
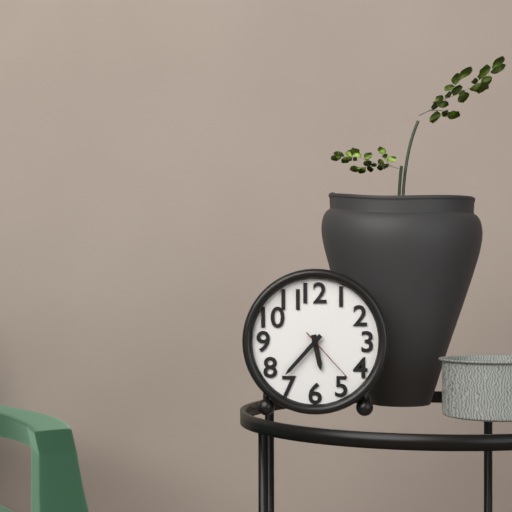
**5:37:23**
